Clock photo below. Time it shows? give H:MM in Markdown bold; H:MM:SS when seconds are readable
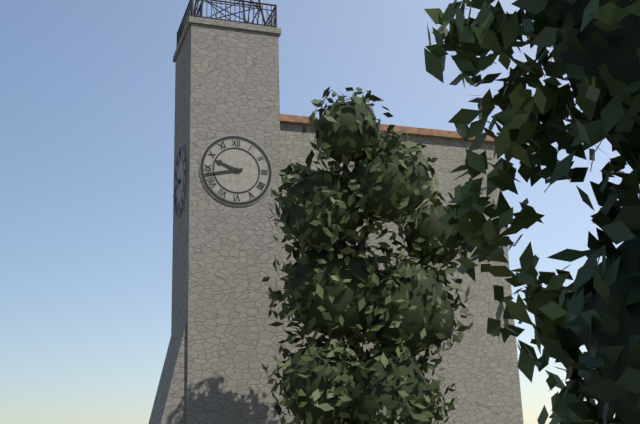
**9:43**
